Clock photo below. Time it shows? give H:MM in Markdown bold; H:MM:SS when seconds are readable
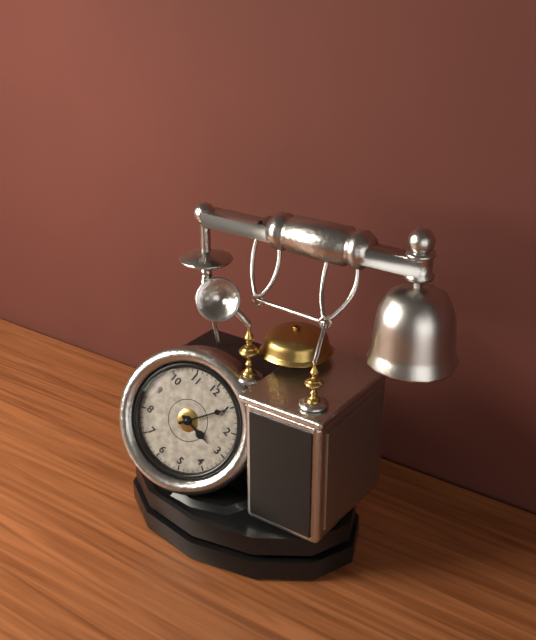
**3:05**
